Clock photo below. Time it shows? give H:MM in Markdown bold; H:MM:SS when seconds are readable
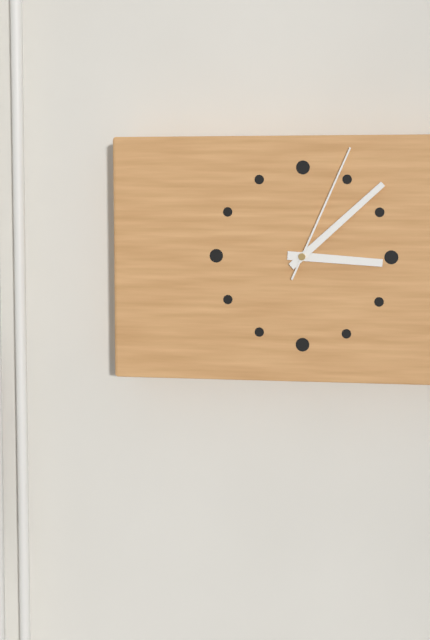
**3:08:04**
